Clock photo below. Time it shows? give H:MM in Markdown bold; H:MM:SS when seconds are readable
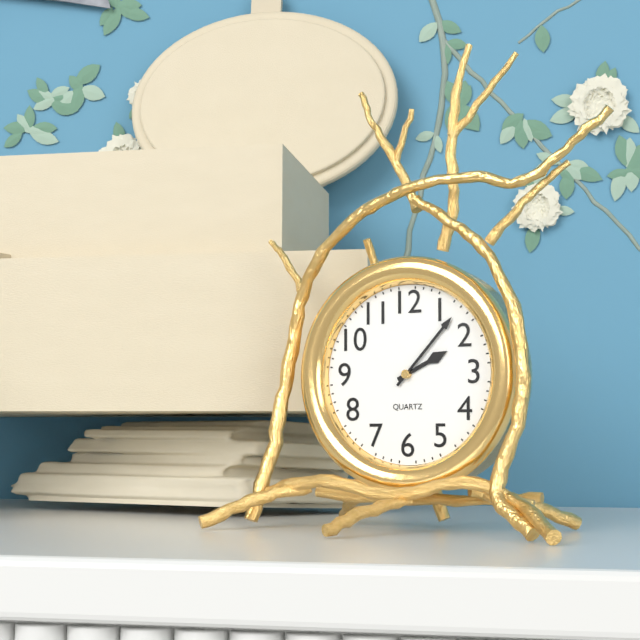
**2:07**
